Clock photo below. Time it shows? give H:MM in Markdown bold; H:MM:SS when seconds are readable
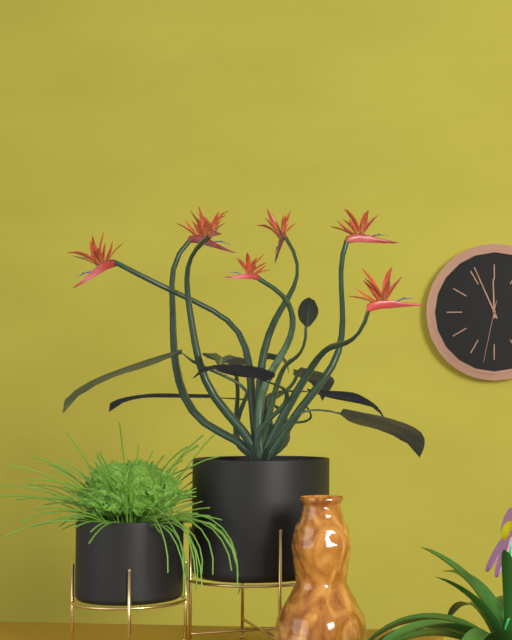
**11:56:32**
